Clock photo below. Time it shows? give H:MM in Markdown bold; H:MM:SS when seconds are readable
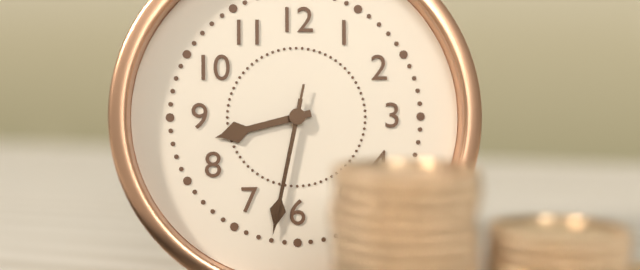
**8:32:32**
